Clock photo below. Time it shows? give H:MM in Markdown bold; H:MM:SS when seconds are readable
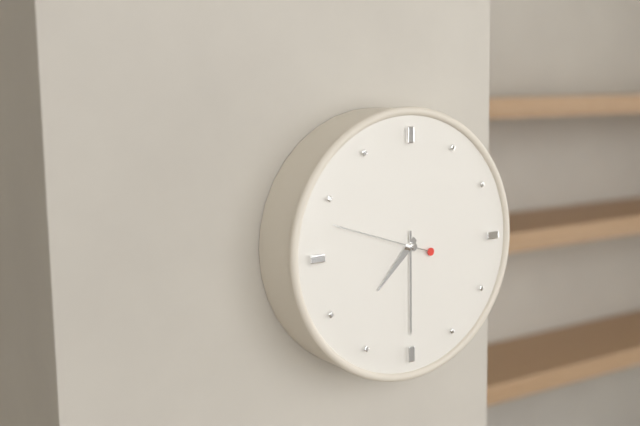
**7:30:48**
